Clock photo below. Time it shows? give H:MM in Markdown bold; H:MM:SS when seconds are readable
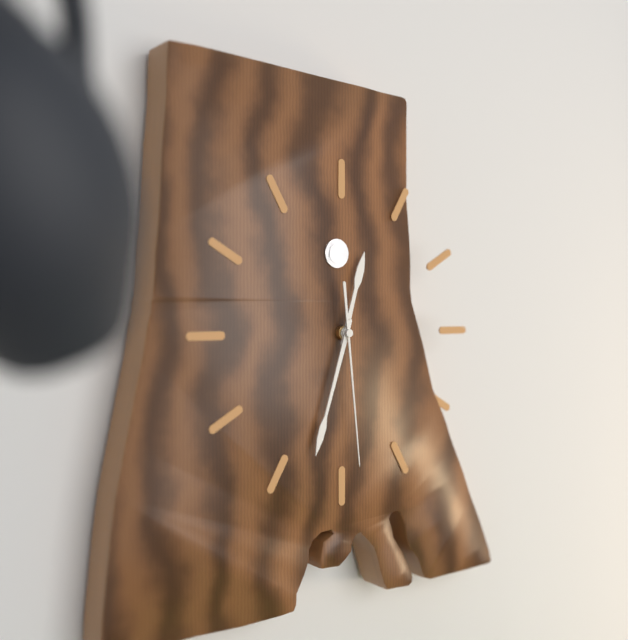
**12:33:29**
